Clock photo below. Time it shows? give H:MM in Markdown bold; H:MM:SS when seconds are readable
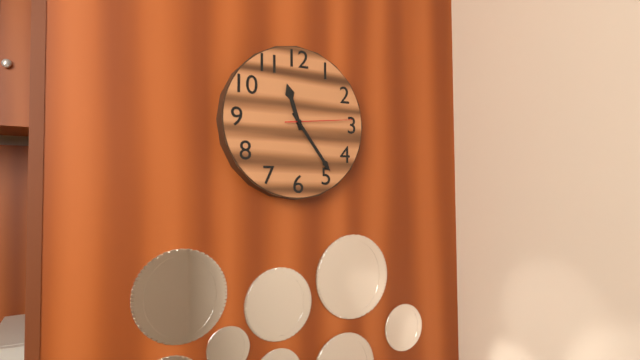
**11:24:14**
